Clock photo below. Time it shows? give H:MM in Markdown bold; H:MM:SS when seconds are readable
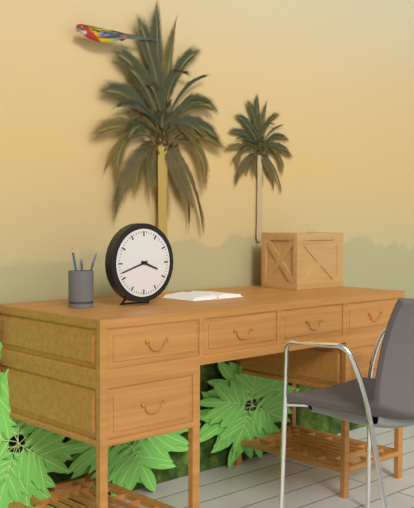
**3:42**
